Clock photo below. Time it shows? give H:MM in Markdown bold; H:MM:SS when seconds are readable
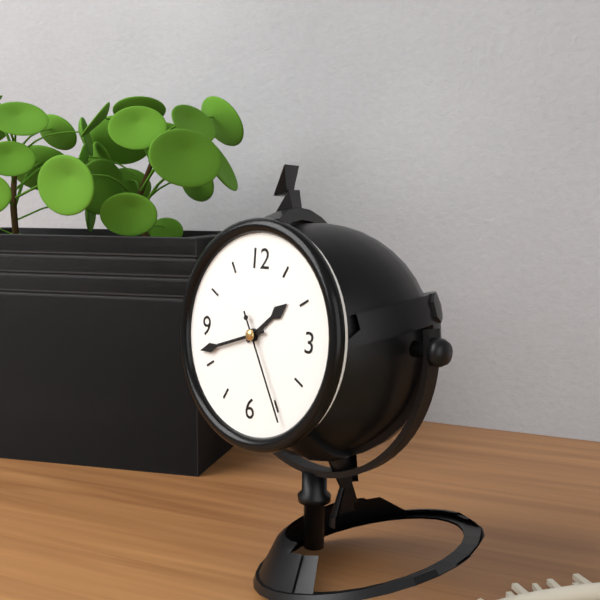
**1:42:25**
